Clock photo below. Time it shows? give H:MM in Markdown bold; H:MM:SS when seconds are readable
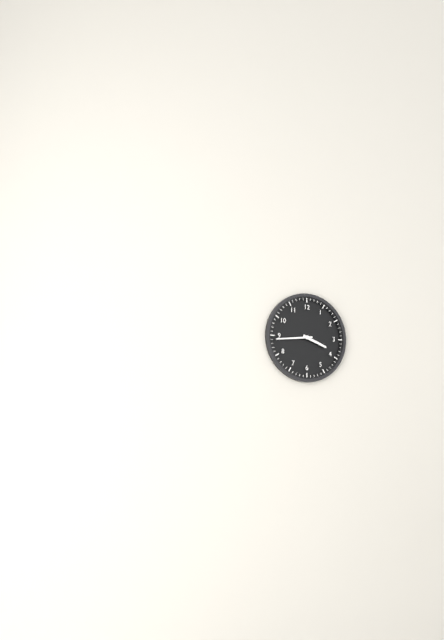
**3:44**
